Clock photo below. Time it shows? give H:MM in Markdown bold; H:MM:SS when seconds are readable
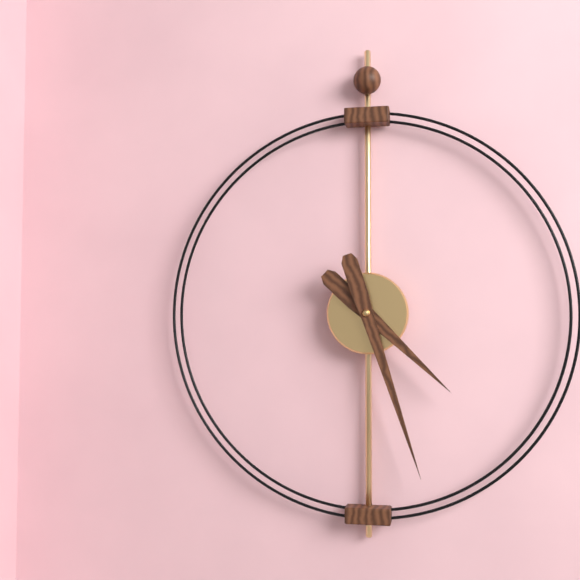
**4:27**
